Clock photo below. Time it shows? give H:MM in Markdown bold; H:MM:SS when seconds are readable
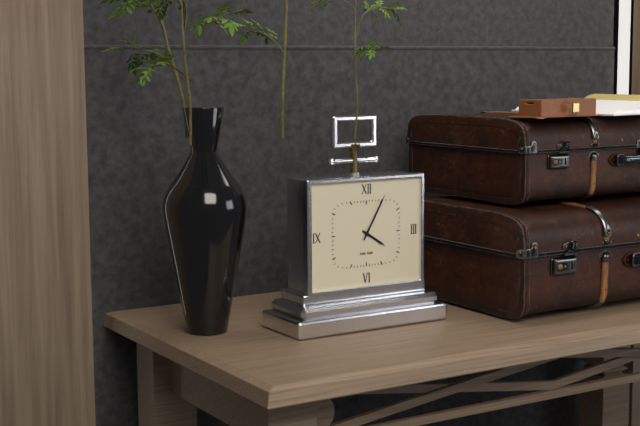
**4:05**
